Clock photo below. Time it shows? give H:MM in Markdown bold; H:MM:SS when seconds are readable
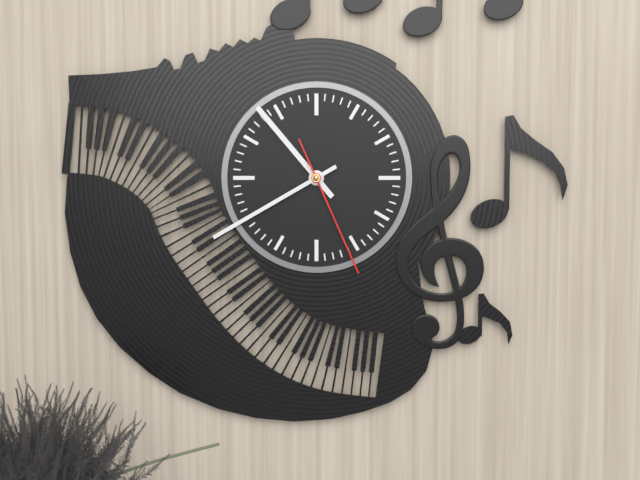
**10:40:26**
